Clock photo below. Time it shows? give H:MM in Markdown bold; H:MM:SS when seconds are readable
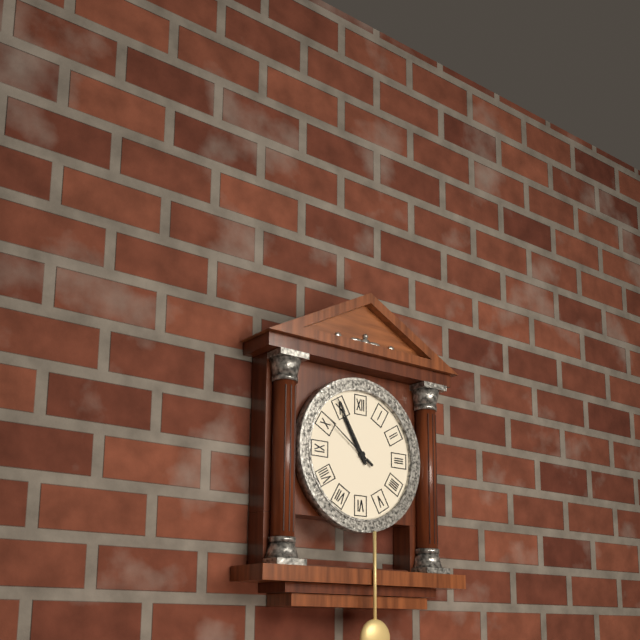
**10:55:51**
